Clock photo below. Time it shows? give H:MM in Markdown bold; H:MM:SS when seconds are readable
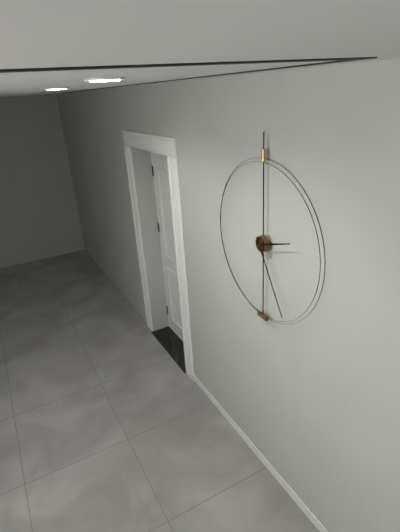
**2:25**
